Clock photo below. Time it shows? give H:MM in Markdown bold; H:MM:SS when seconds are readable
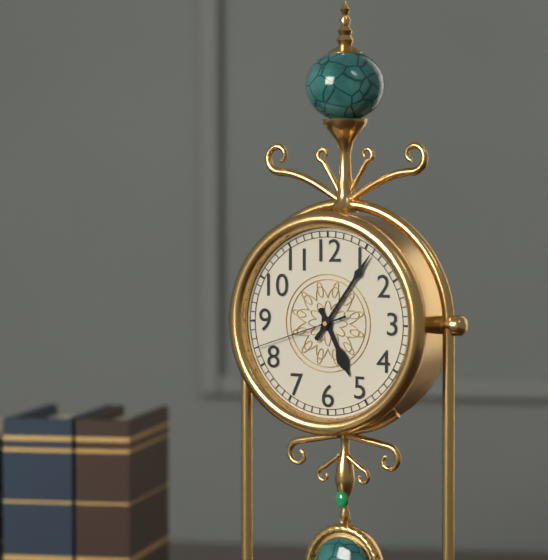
**5:06:42**
